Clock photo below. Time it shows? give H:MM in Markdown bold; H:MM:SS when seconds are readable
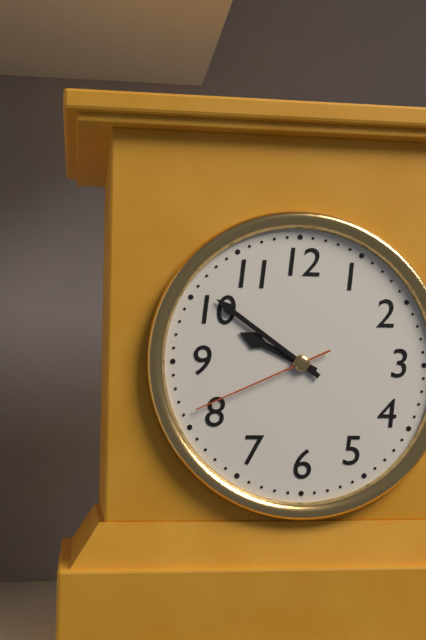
**9:51:41**
